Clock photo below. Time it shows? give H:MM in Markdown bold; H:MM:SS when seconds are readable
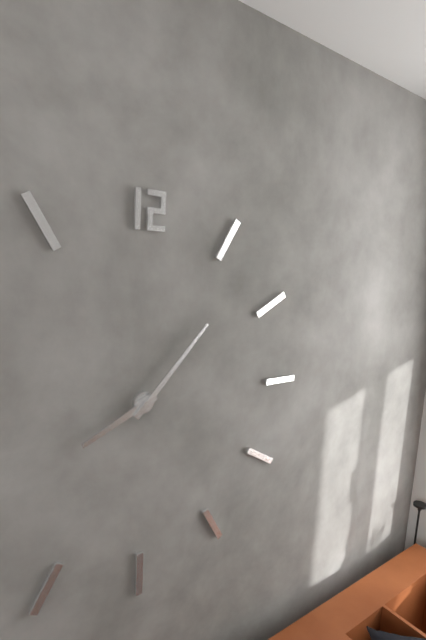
**8:07**
